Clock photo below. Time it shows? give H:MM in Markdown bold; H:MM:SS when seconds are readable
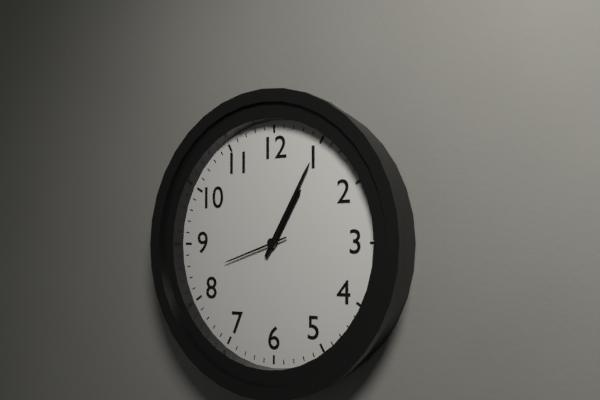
**1:05:42**
